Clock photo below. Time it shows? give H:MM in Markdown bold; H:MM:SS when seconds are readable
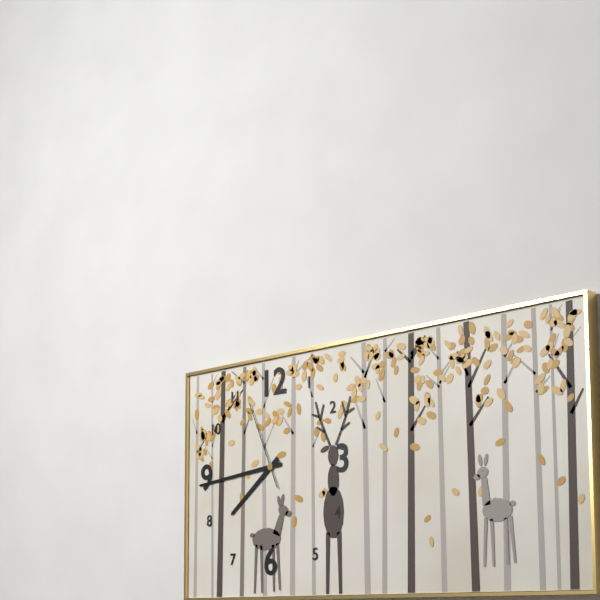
**7:44:56**
